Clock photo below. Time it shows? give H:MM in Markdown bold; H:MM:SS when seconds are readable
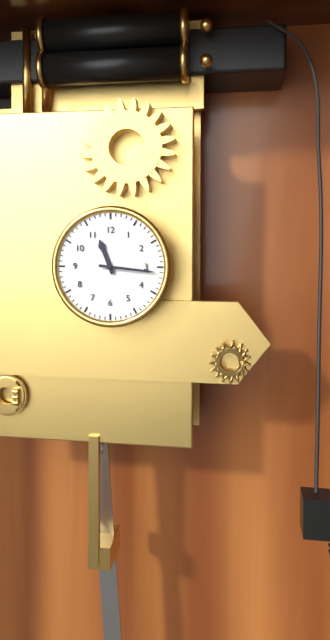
**11:16**
